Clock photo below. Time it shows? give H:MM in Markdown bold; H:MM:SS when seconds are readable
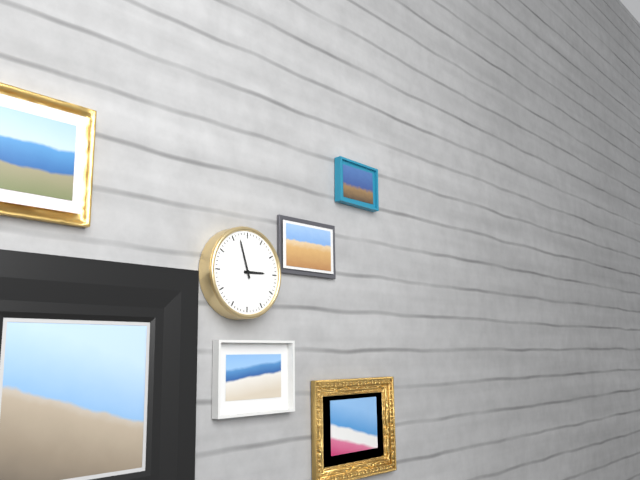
**2:57**
